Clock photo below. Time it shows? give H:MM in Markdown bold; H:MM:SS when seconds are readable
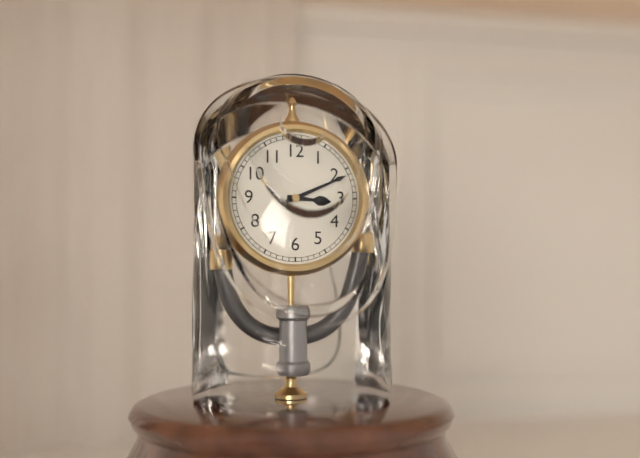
**3:11**
